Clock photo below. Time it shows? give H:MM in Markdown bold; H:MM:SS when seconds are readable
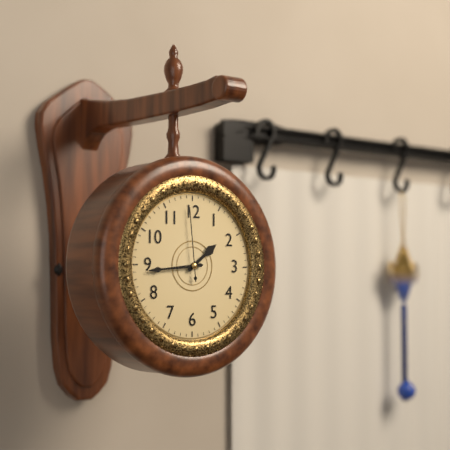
**1:44:59**
